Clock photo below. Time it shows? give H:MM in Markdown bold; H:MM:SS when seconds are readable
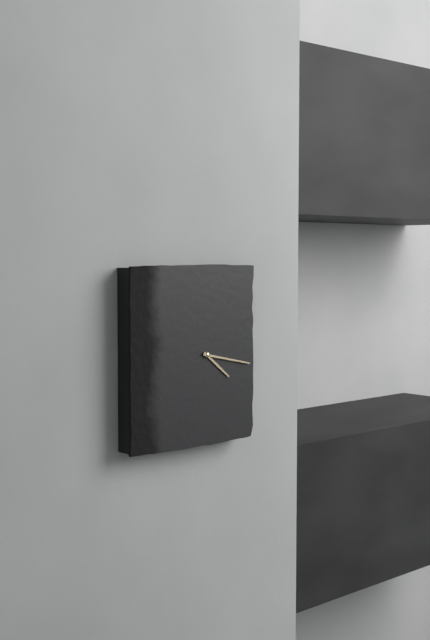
**4:17**
